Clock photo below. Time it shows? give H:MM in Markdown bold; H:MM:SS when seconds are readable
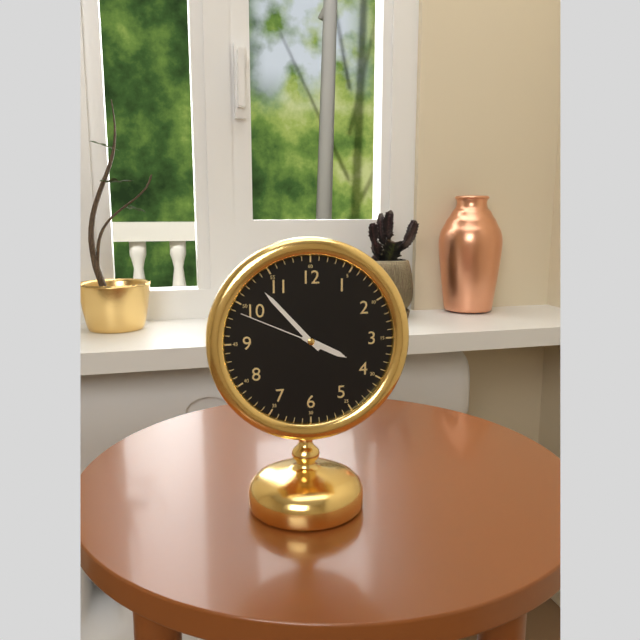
**3:53:49**
